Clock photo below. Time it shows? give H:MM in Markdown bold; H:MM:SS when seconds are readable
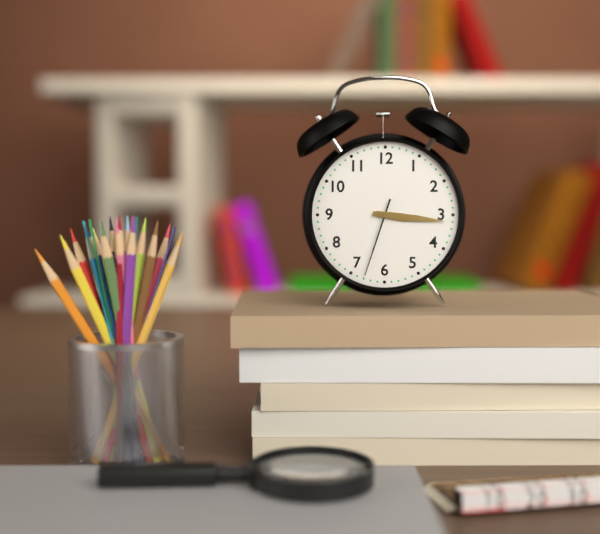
**3:16:33**
